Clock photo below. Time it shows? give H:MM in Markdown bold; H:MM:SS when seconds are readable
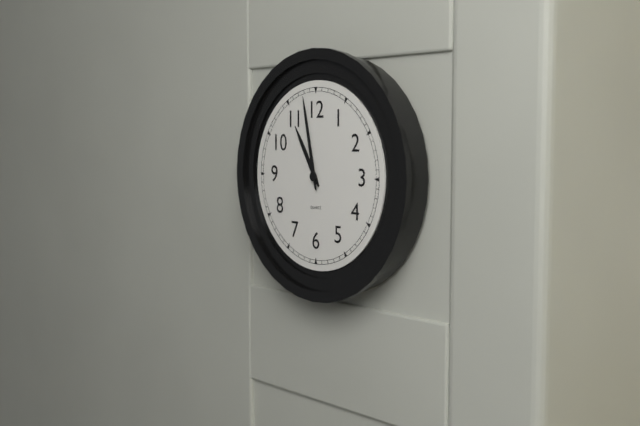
**10:58**
